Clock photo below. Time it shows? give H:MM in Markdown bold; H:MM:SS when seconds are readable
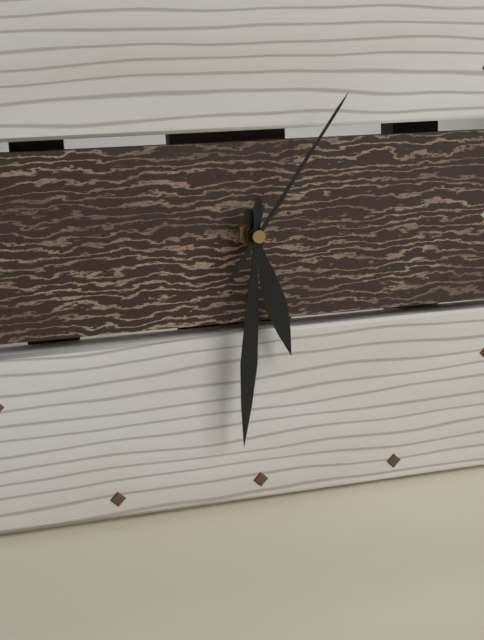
**5:31:06**
